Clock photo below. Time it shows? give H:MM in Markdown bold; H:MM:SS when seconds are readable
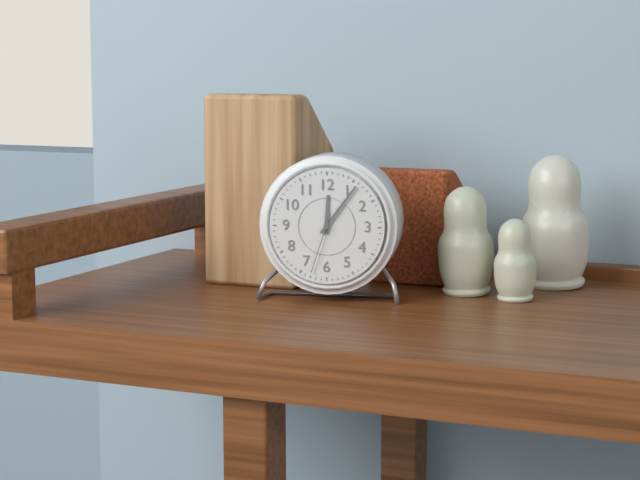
**12:06:33**
